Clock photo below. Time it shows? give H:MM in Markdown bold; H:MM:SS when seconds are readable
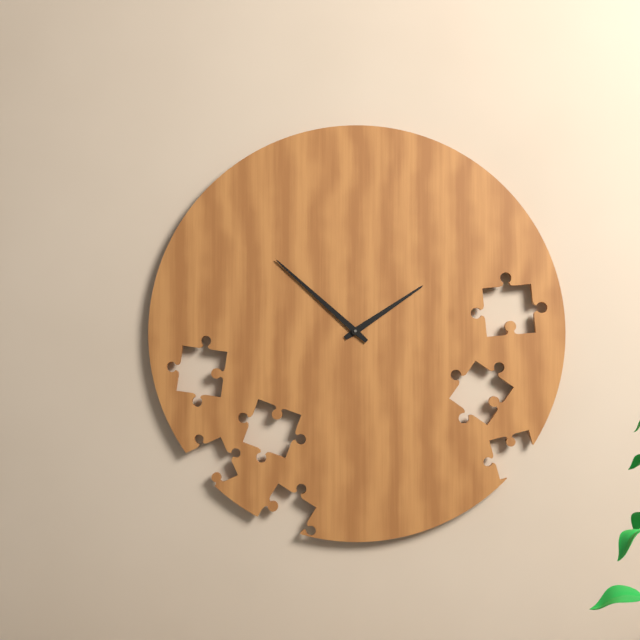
**1:52**
